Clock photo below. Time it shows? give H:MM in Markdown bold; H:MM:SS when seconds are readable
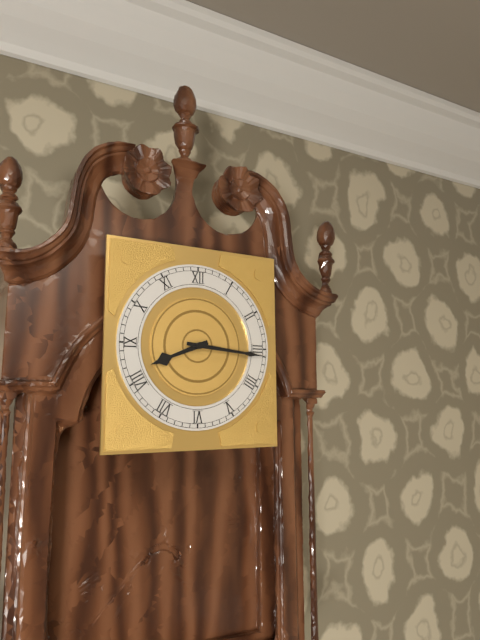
**8:16**
